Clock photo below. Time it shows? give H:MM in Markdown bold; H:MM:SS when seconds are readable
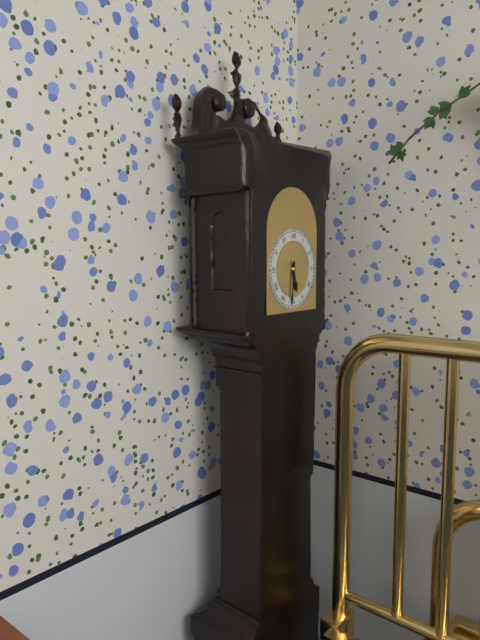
**5:31**
